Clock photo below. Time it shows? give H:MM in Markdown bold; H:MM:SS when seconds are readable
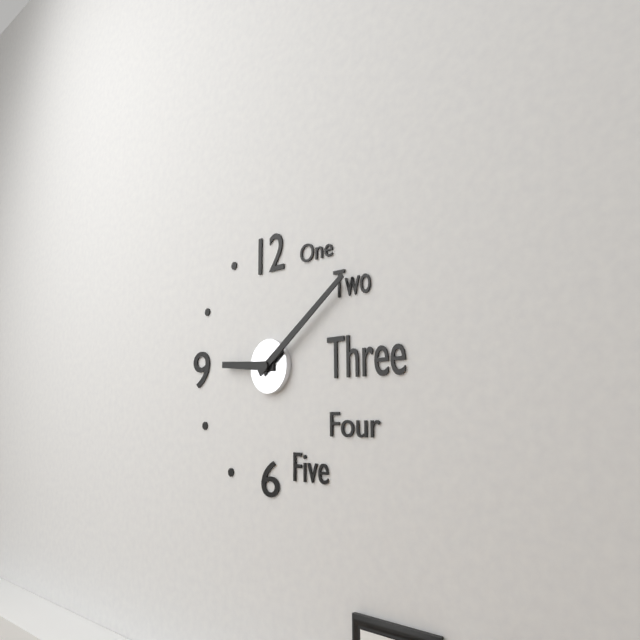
**9:09**
